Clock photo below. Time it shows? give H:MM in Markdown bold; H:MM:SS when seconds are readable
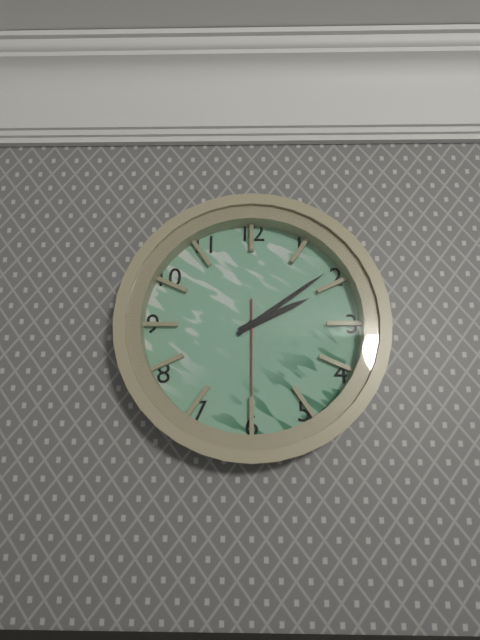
**2:09:30**
